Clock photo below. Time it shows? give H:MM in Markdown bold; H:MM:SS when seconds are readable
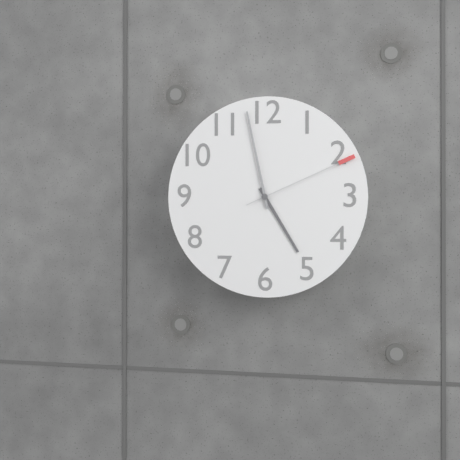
**4:58:11**
